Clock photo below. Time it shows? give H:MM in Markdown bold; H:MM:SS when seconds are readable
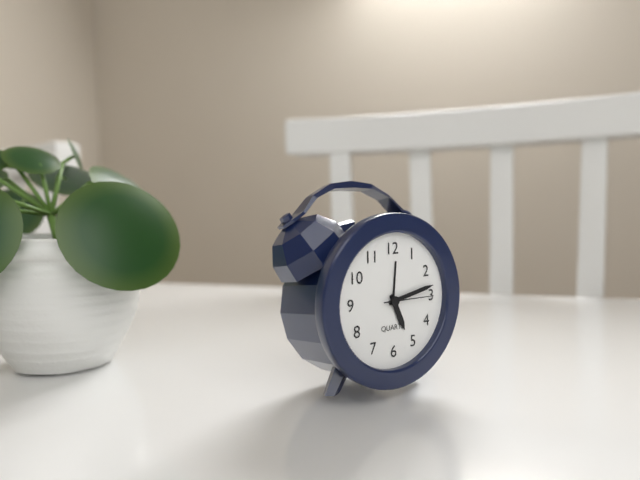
**5:13**
